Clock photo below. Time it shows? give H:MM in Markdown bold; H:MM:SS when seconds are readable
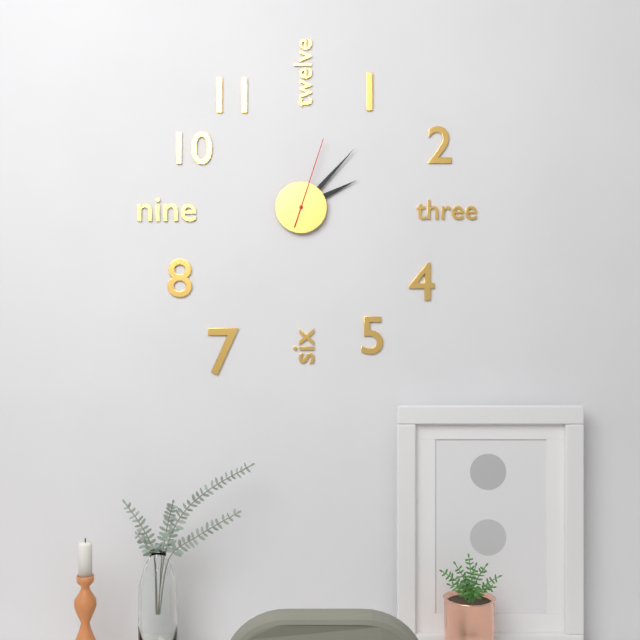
**2:07:03**
